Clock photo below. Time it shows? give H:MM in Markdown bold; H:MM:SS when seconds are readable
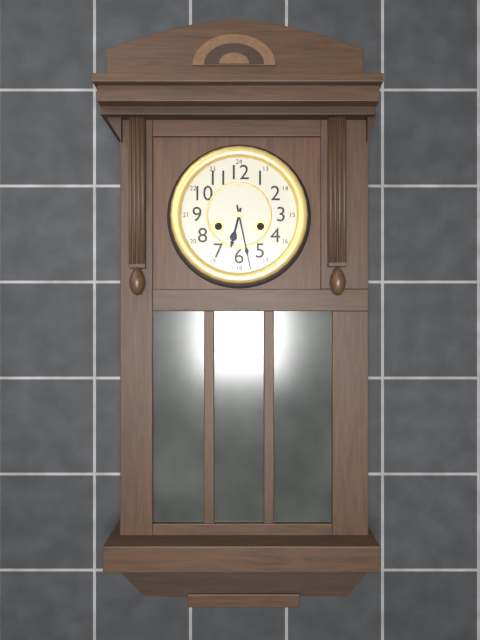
**6:28**
